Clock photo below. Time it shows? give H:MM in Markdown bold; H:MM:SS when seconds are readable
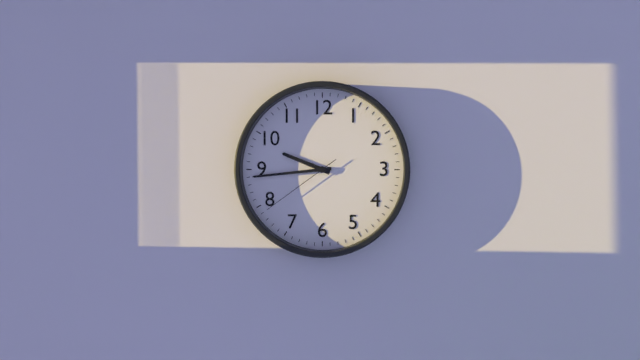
**9:44:39**
